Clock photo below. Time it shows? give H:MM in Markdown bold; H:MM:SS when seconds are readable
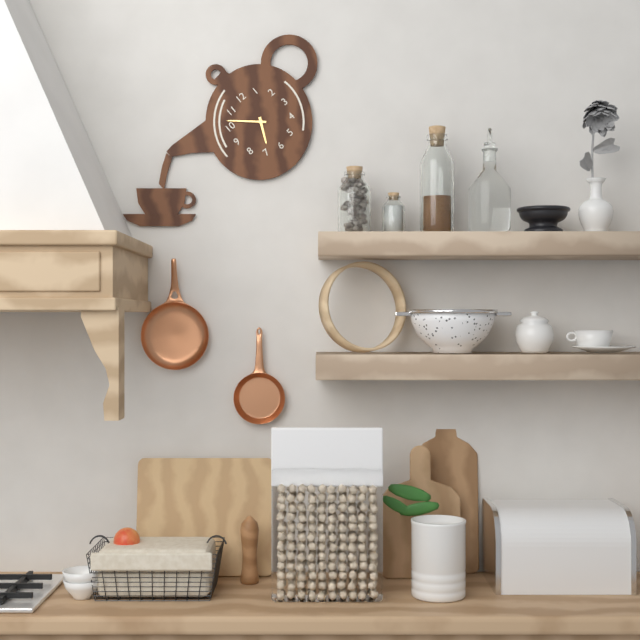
**6:52**
